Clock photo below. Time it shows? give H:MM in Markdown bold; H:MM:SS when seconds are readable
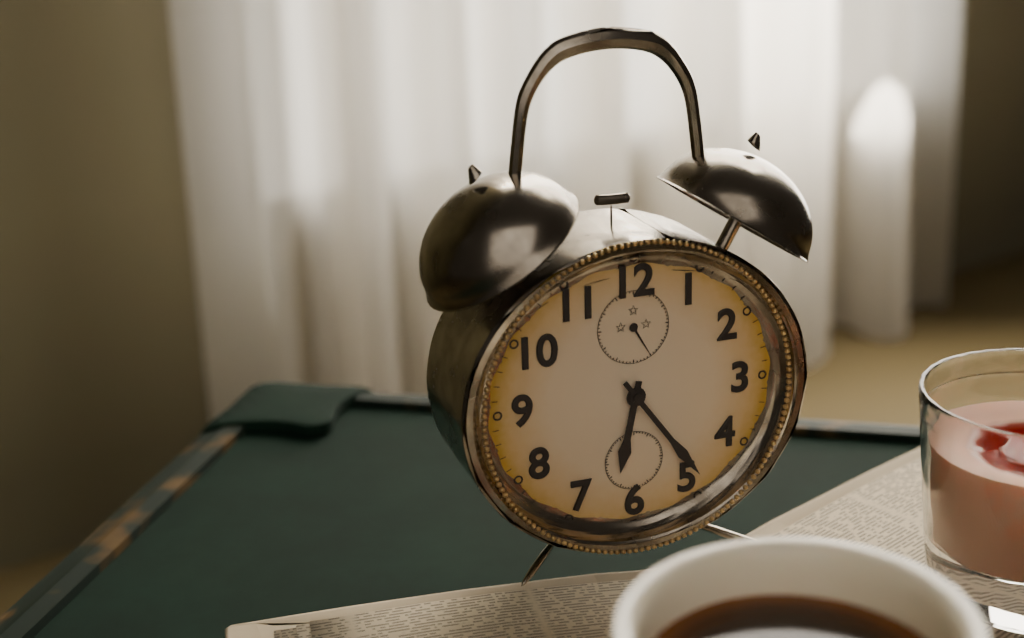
**6:24**
